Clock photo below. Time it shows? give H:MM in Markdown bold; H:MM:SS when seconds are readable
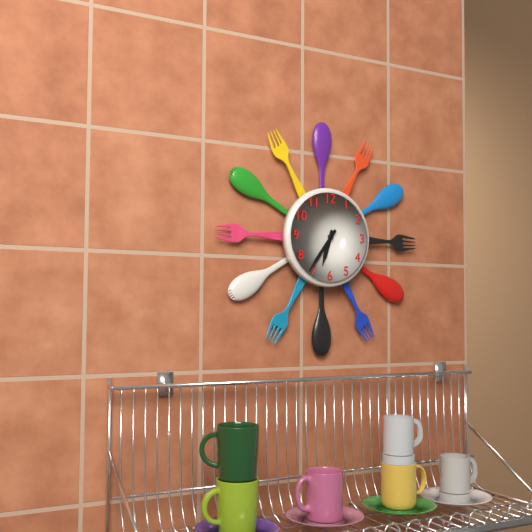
**6:36**
